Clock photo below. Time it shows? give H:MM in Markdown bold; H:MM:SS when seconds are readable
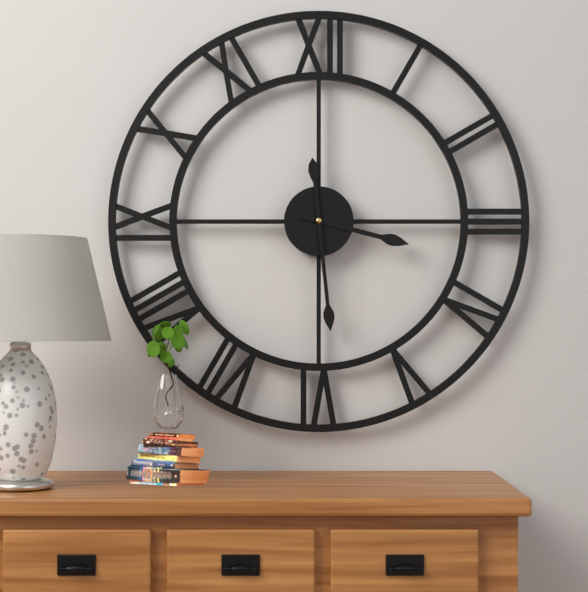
**3:29**
